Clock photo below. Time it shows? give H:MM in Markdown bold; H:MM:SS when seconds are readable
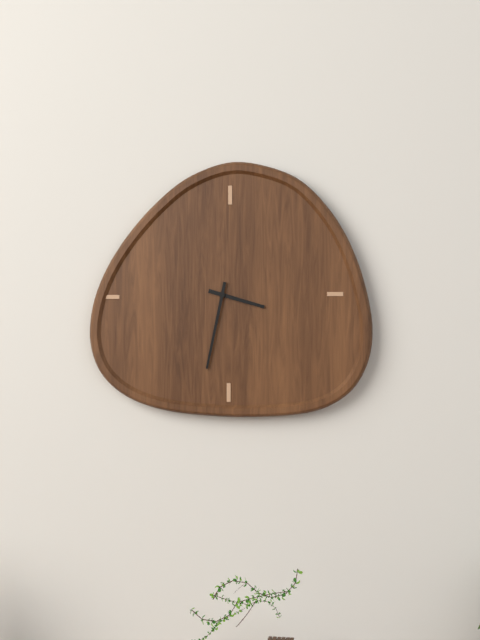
**3:32**
